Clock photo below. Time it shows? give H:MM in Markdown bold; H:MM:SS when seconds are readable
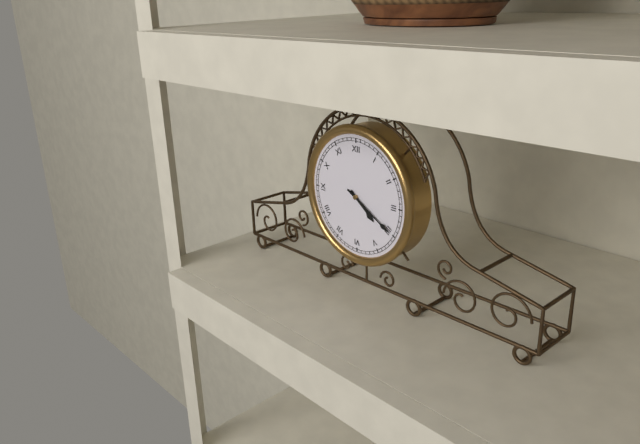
**4:20**
